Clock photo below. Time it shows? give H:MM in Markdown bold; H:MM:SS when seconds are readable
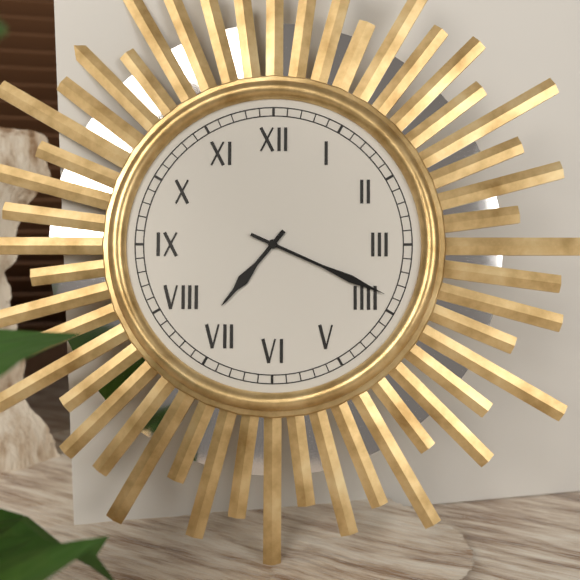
**7:19**
